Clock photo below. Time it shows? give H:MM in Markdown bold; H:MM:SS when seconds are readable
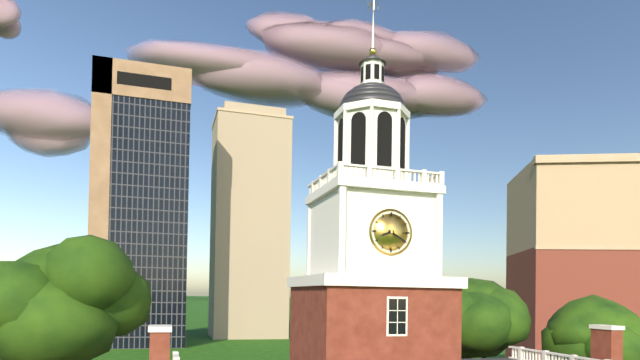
**8:20**
